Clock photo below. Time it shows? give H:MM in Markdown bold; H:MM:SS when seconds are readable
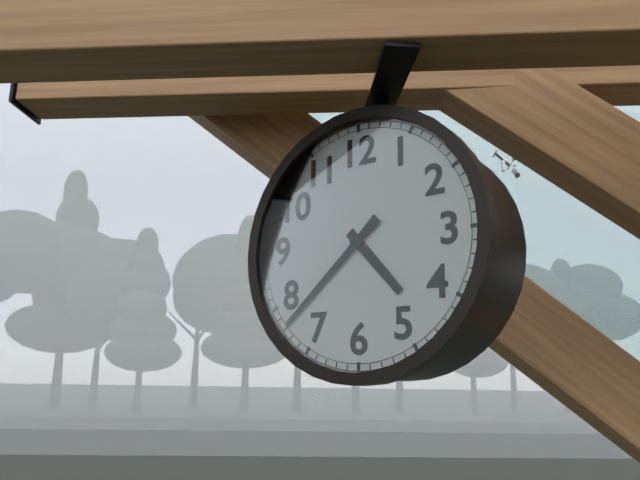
**4:38**
